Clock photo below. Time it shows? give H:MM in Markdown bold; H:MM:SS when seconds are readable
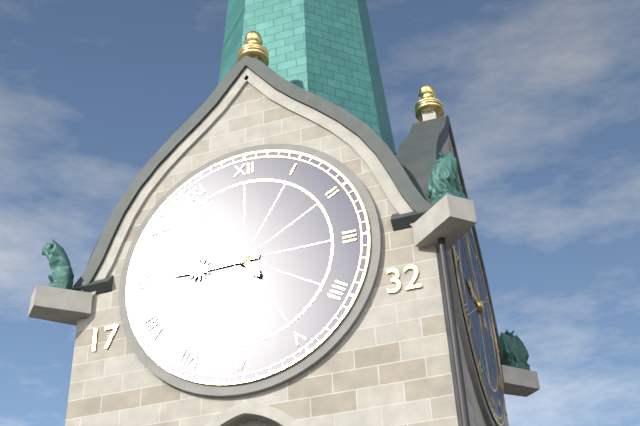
**8:54**
